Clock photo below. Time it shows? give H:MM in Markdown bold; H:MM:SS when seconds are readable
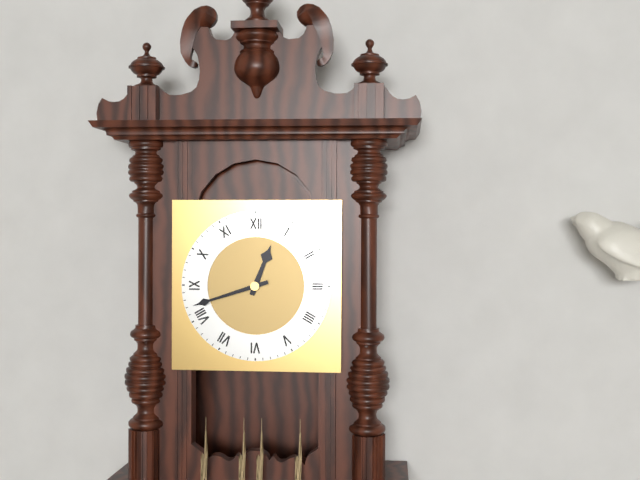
**12:42**
